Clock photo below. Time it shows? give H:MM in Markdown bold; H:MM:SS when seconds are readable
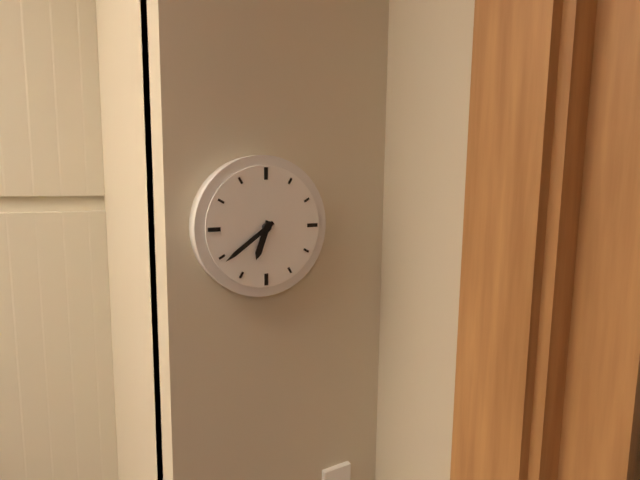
**6:39**
